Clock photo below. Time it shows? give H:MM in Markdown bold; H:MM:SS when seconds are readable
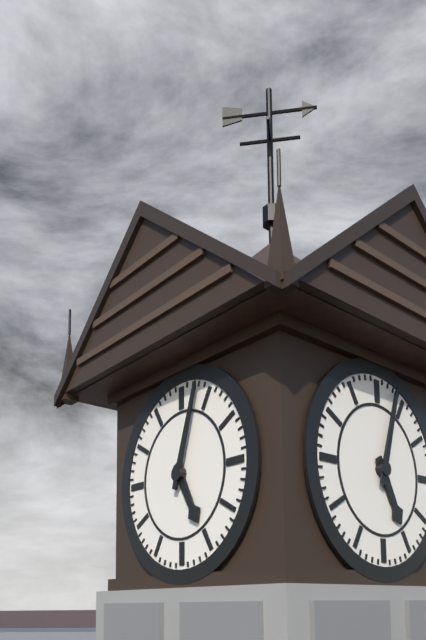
**5:03**
